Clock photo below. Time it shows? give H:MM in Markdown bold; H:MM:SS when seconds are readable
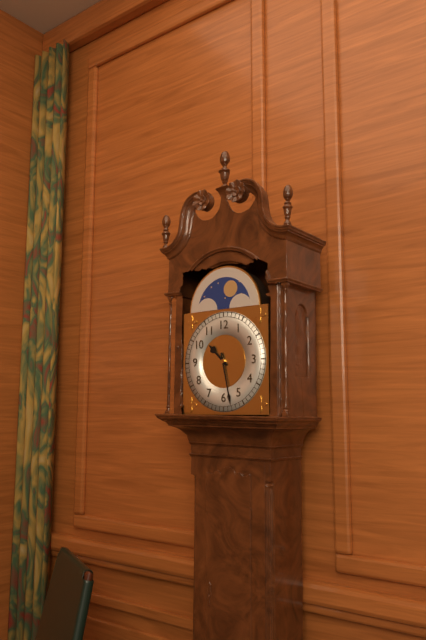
**10:28**
